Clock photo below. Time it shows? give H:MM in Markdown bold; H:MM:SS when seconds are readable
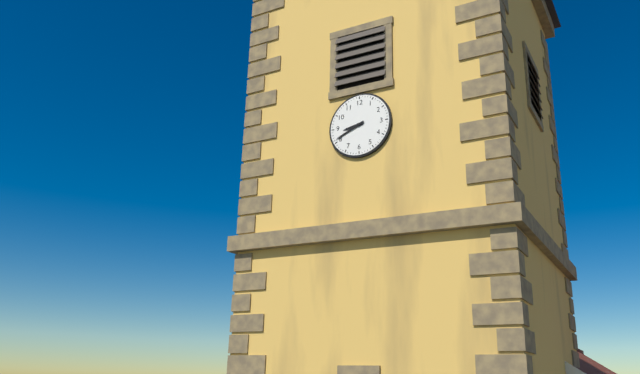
**8:41**
